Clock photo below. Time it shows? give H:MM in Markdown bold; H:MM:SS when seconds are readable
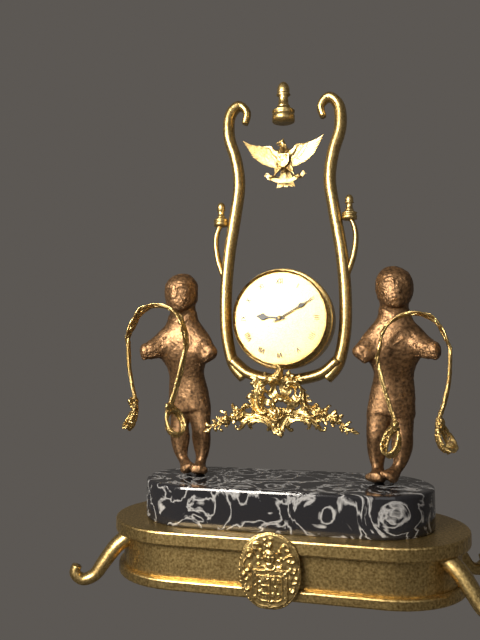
**9:10**
